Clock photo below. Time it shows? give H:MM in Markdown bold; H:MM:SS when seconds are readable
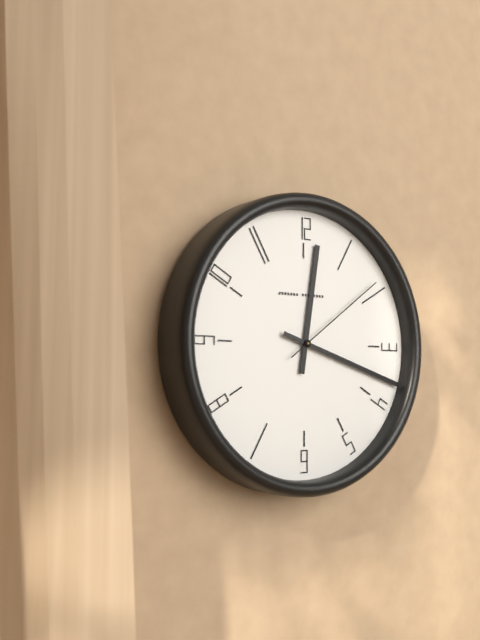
**12:18:09**
